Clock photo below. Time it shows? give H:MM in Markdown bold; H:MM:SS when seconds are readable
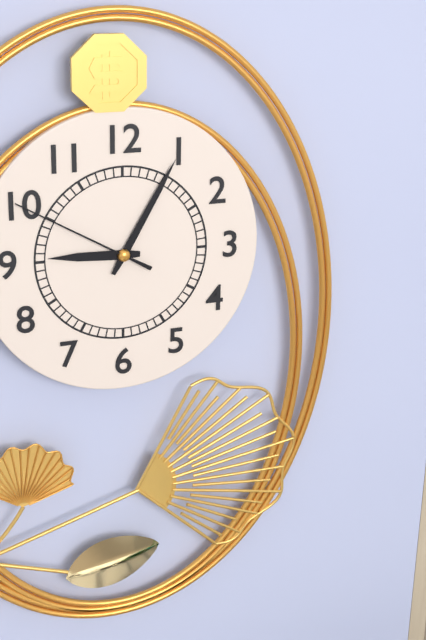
**9:05:50**
